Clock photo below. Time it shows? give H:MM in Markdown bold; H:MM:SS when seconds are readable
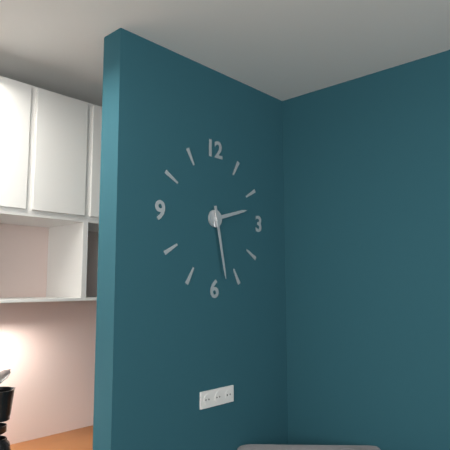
**2:28**
